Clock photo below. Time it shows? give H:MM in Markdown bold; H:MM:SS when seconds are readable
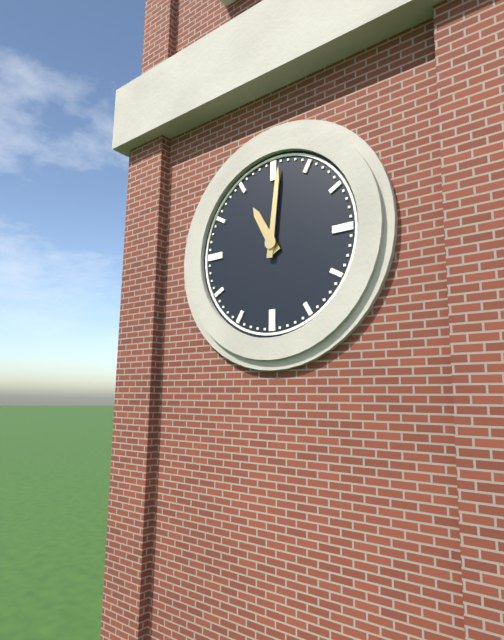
**11:01**
